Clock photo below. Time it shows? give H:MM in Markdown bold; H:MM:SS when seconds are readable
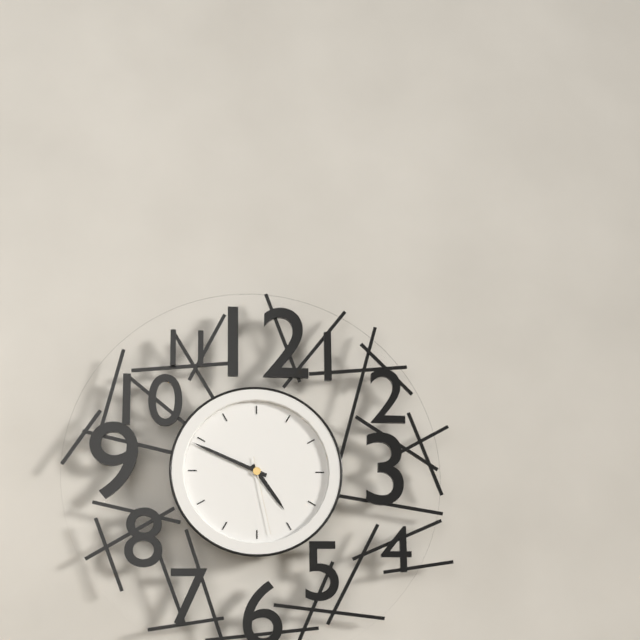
**4:49:28**
